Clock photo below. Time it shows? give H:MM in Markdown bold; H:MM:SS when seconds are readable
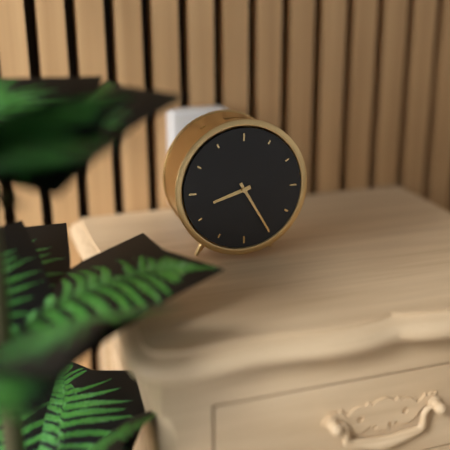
**8:25**
